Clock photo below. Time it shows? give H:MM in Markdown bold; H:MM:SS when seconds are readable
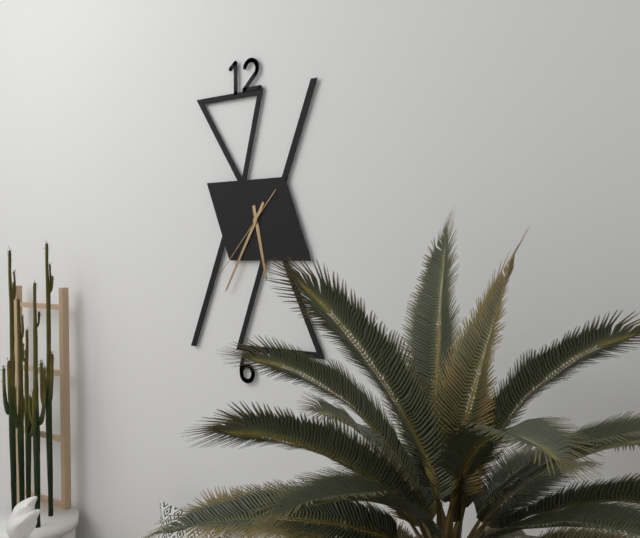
**5:35:37**
